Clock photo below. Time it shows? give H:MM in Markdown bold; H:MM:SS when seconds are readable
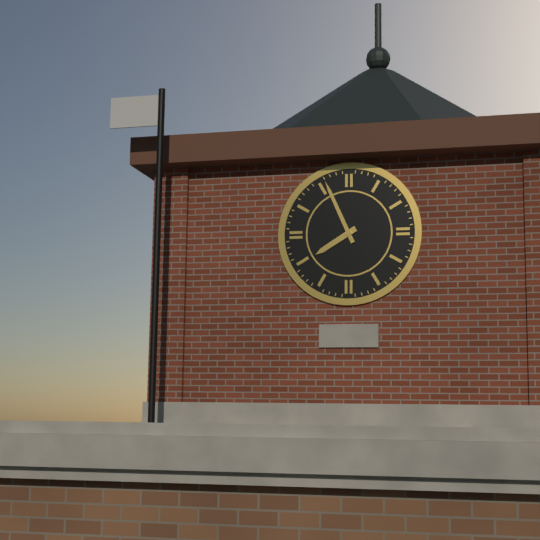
**7:56**
